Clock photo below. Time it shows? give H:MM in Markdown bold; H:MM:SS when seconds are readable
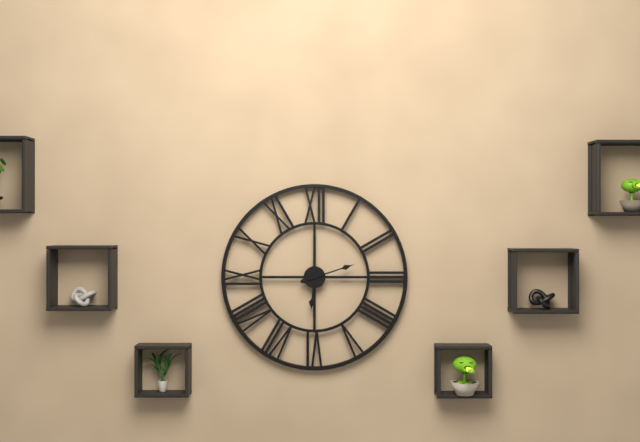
**6:12**
